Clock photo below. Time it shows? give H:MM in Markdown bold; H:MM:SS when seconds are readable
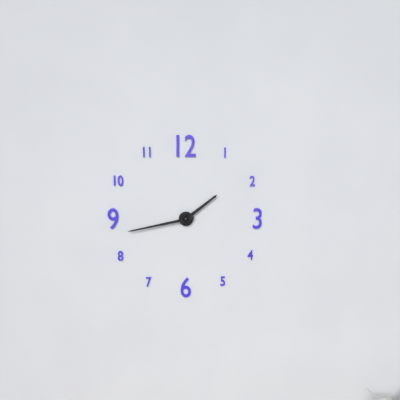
**1:43**
